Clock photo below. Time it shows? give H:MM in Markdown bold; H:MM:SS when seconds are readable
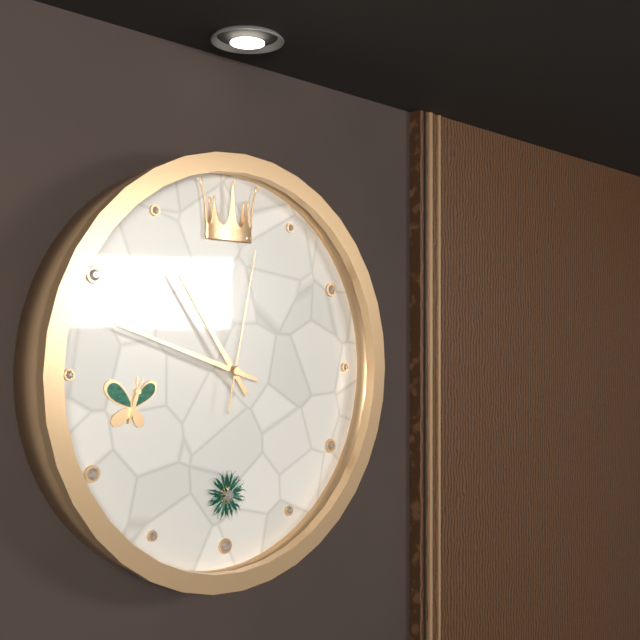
**10:48:02**
